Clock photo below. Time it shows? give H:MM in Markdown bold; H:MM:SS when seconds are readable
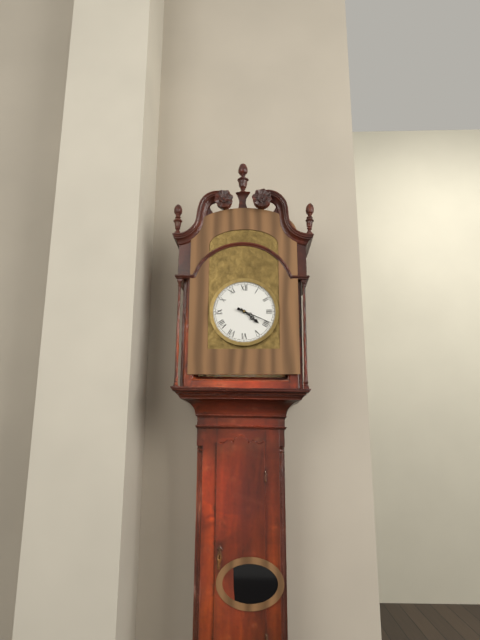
**4:19**
